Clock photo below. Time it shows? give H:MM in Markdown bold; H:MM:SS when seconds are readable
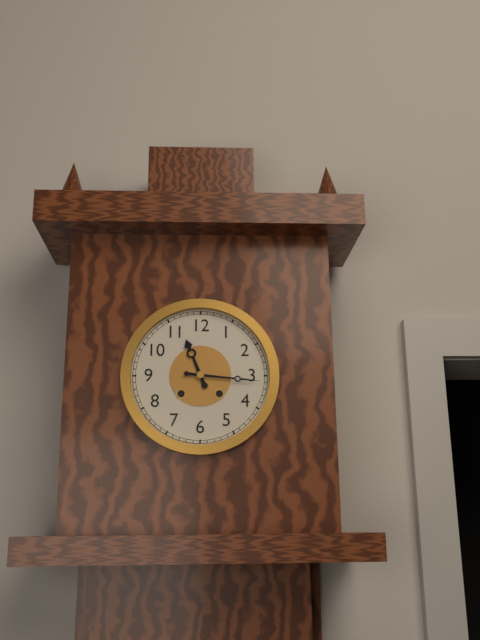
**11:16**
